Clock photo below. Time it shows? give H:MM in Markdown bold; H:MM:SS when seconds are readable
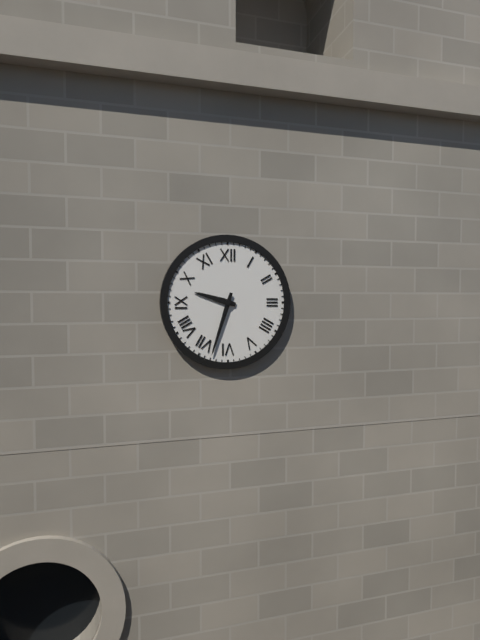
**9:33**
